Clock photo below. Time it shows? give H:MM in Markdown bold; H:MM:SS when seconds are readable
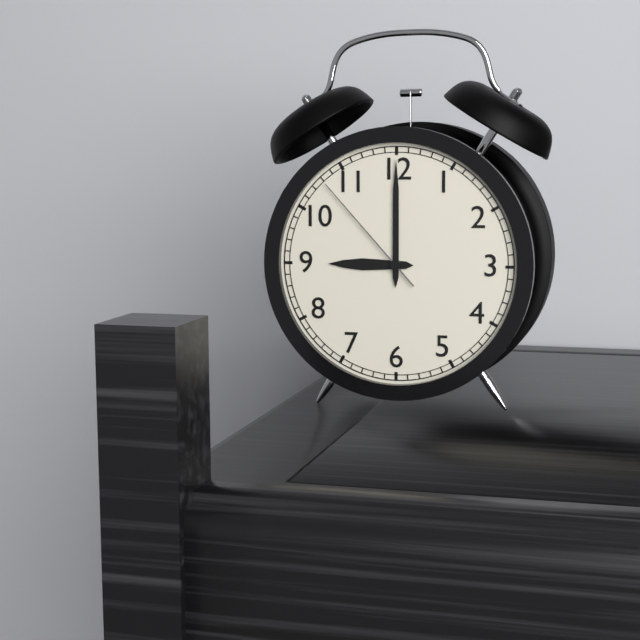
**9:00:53**
